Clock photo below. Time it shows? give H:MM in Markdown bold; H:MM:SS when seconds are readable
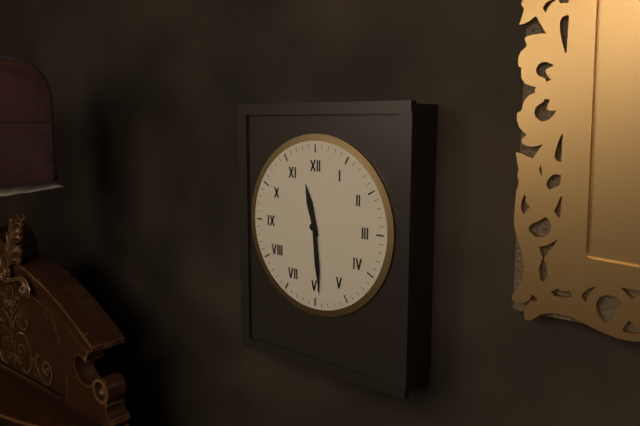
**11:29**
